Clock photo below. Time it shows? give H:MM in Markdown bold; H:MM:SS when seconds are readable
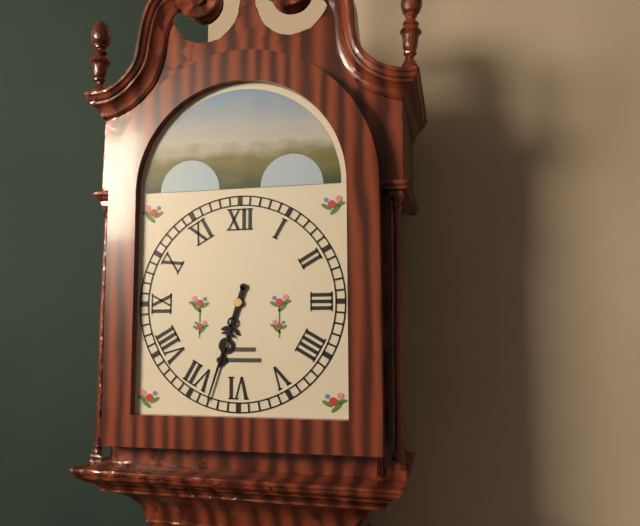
**6:33**
